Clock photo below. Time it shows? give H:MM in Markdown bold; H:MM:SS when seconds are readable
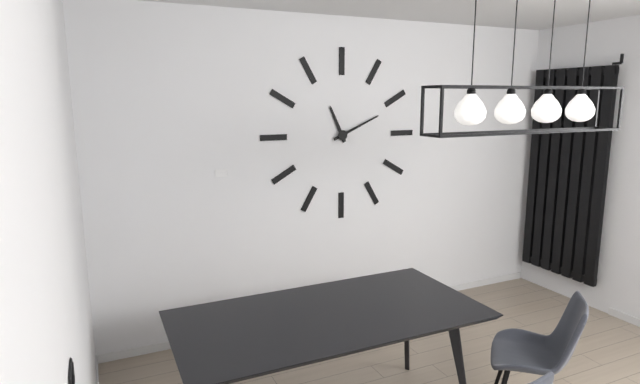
**11:11**
